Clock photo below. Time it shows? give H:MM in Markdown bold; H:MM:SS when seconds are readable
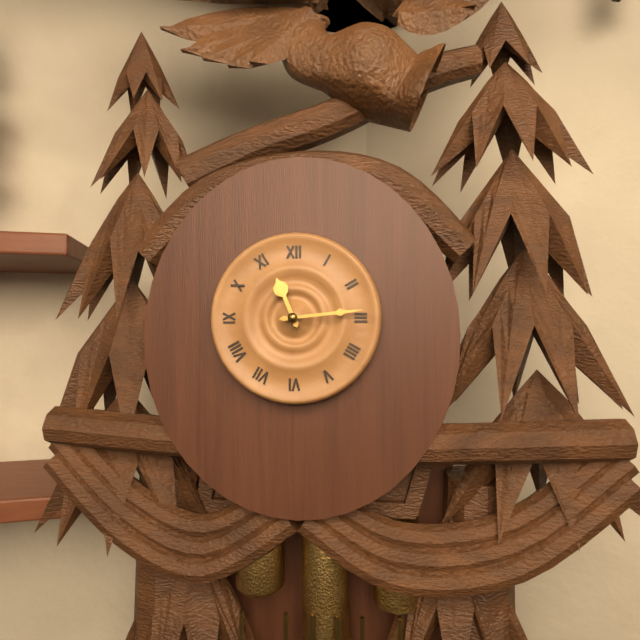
**11:14**
